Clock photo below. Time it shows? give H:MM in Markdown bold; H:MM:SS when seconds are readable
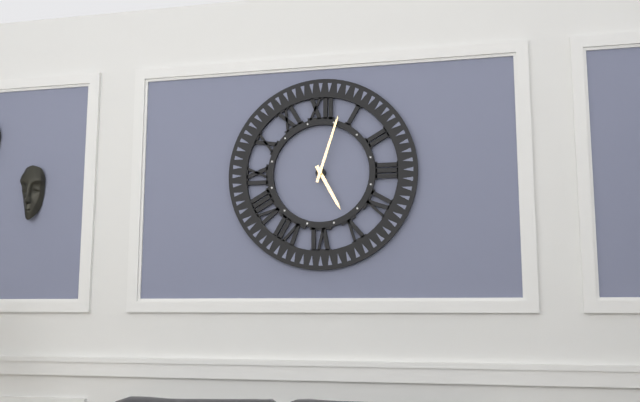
**5:03**
